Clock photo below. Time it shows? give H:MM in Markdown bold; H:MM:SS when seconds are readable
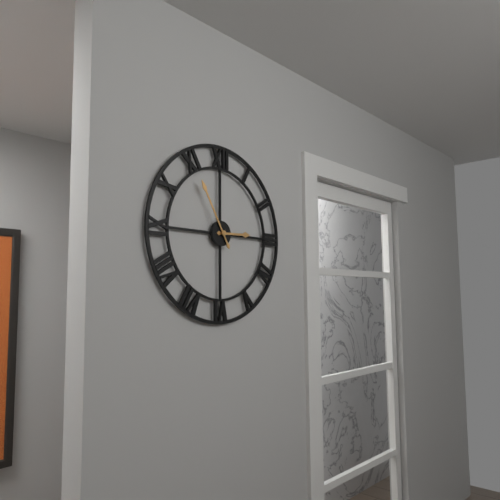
**2:55**
